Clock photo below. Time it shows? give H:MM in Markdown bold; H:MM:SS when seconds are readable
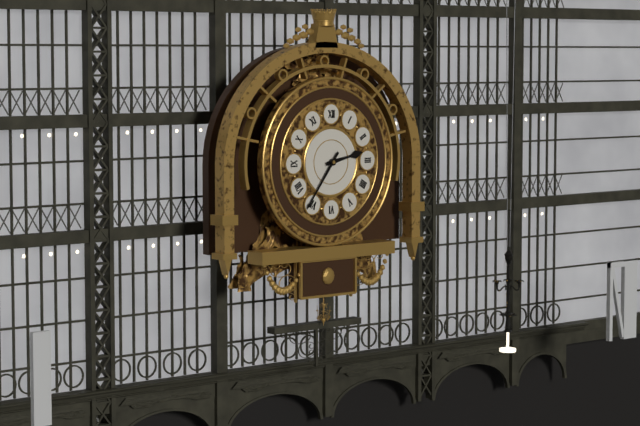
**2:36**
